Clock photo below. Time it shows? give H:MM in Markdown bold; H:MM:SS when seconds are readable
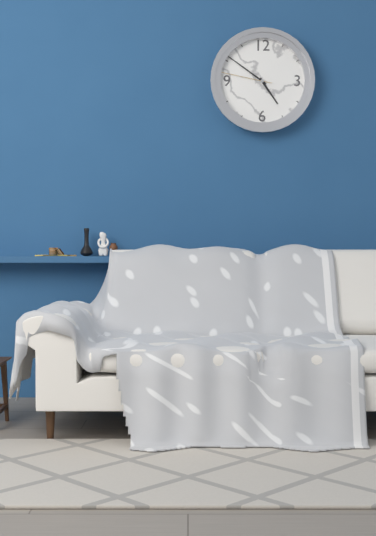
**4:51:47**
